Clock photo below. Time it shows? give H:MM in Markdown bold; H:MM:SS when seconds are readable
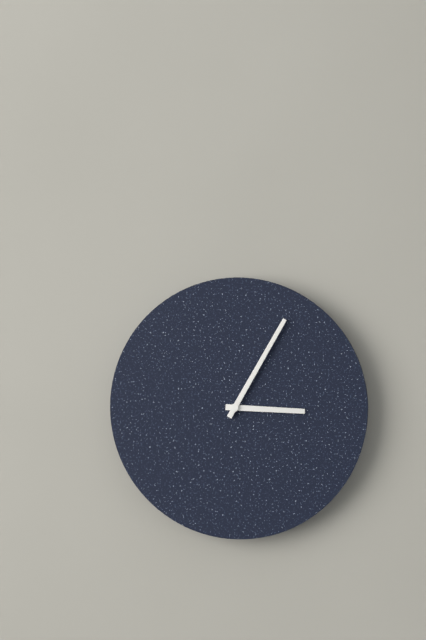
**3:05**
